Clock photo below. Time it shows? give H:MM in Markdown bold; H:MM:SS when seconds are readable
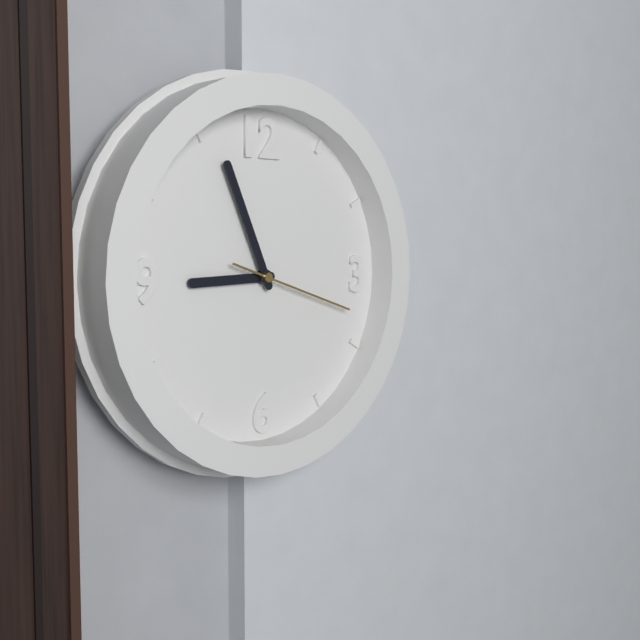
**8:56:18**
